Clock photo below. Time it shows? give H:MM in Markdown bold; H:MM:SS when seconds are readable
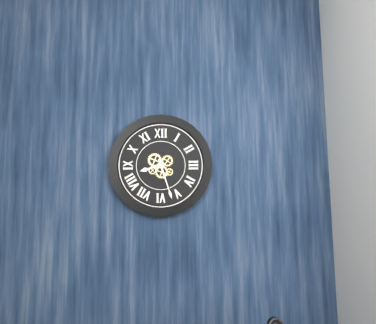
**8:27**
